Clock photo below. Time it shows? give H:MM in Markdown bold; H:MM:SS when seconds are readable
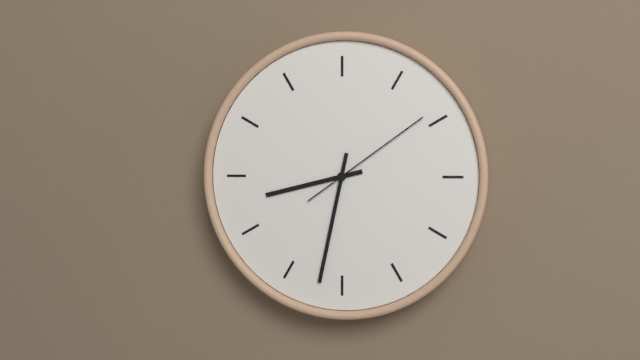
**8:32:09**
